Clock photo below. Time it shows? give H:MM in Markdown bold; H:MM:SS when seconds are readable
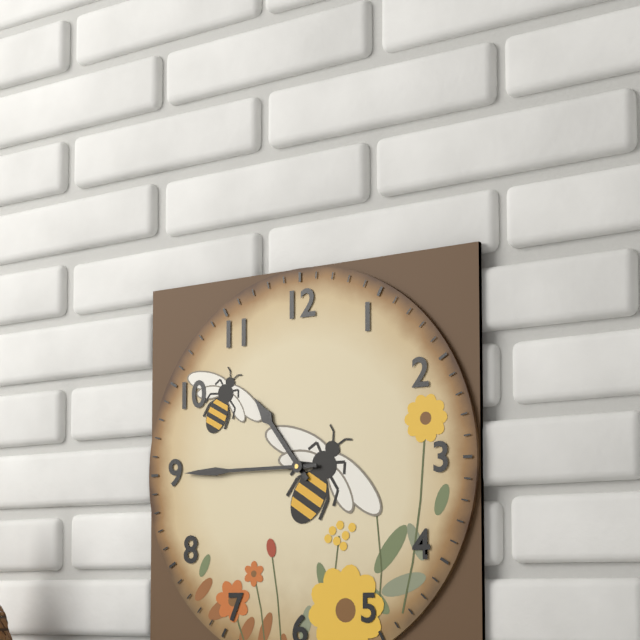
**10:45**
